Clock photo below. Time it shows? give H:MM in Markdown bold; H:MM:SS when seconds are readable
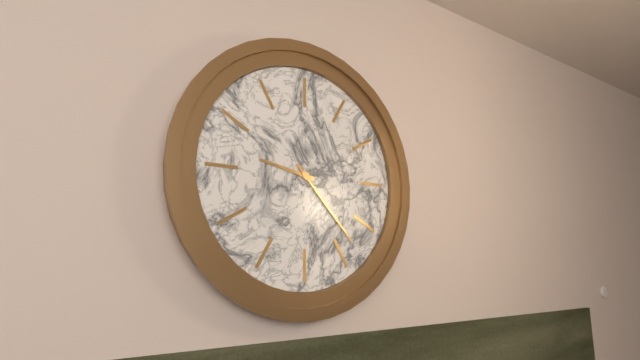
**9:23**
